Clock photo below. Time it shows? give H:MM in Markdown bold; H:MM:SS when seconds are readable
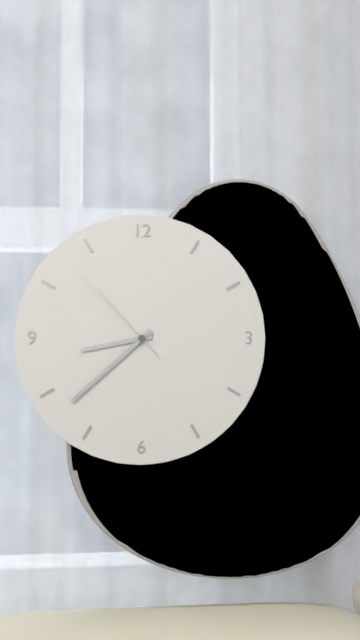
**8:38:53**
